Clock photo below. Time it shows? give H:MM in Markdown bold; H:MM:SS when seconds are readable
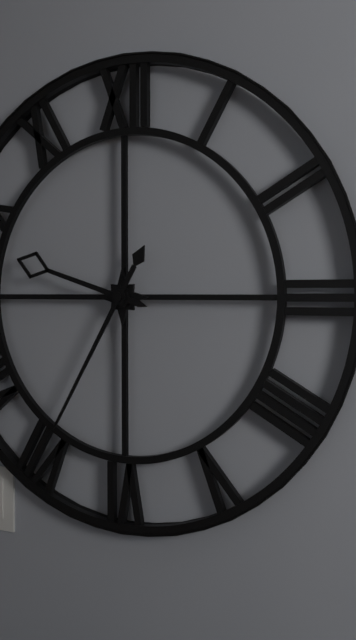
**9:35**
